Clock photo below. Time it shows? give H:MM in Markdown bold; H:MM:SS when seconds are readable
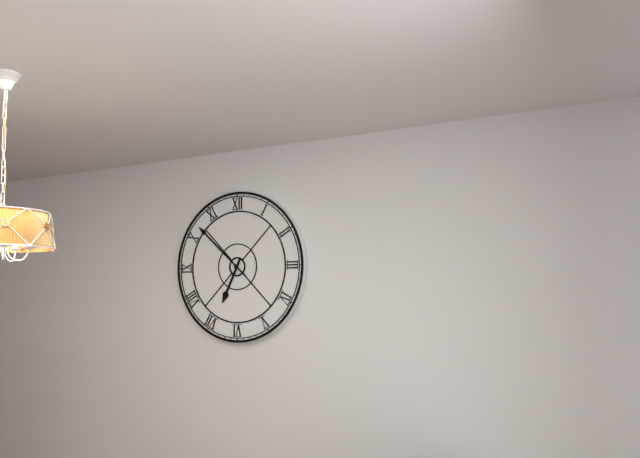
**6:52**
